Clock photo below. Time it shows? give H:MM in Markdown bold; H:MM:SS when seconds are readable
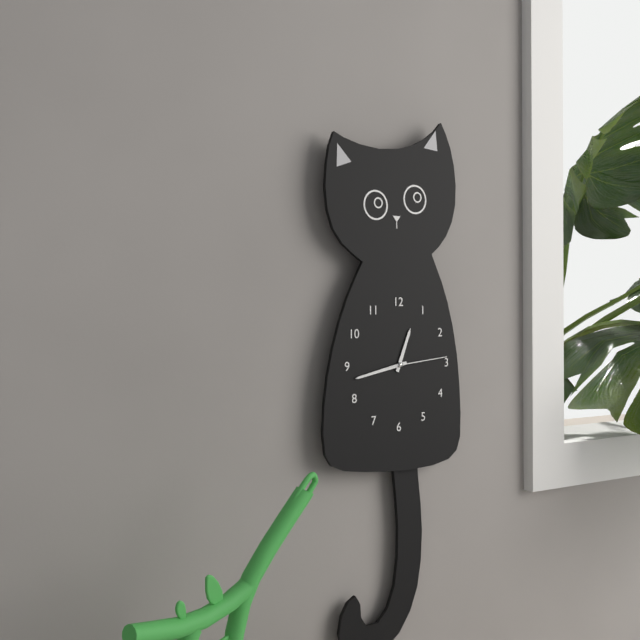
**12:43:14**
